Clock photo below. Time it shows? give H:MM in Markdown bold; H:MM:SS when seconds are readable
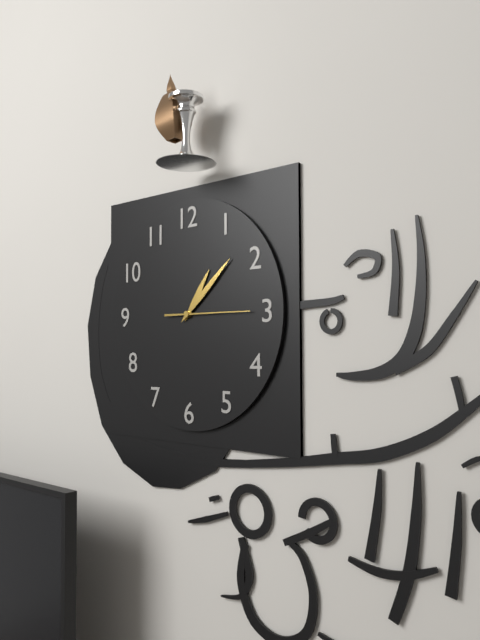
**1:08:15**
